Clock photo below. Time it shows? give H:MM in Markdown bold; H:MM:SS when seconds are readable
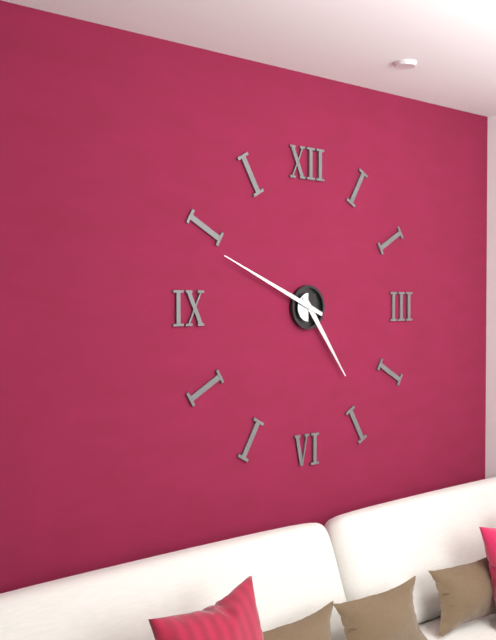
**4:49**
